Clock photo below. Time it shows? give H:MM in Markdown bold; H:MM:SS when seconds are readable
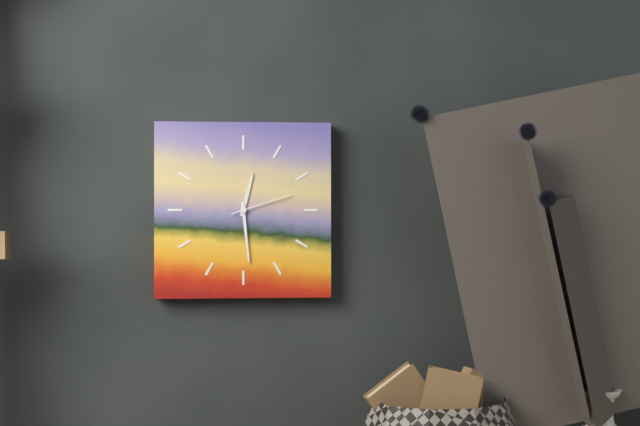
**12:29:12**
